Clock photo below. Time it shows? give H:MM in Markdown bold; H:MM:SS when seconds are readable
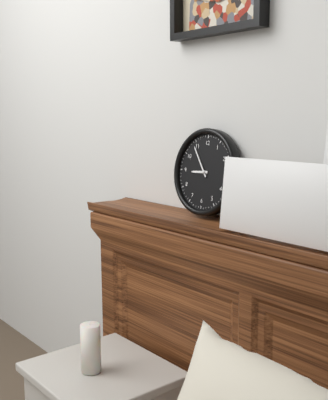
**8:54**
